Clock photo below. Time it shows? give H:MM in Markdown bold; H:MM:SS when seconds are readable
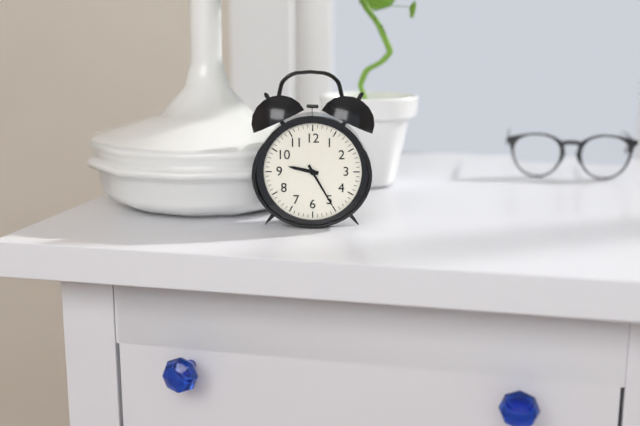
**9:25**
